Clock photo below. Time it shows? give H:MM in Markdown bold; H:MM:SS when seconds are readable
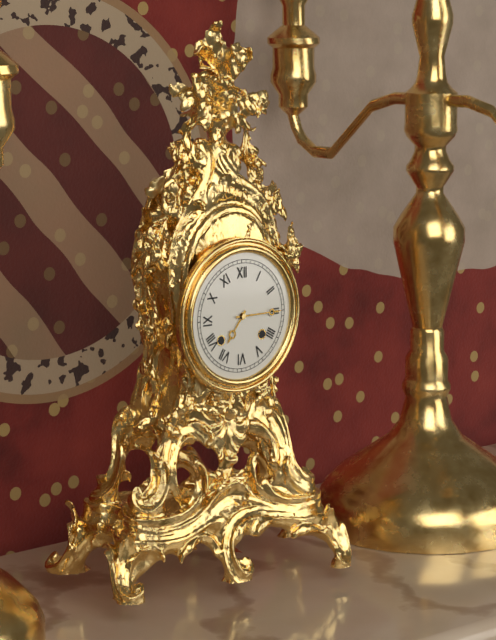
**7:15**
